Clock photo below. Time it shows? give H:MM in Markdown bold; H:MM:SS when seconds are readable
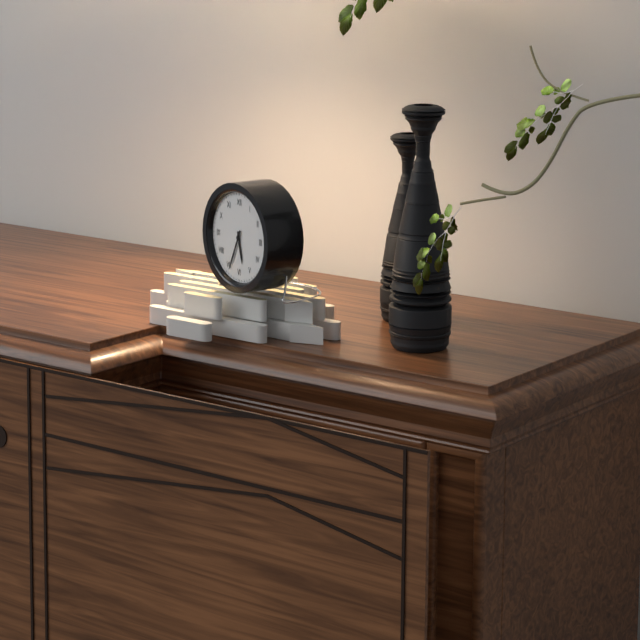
**5:34**
